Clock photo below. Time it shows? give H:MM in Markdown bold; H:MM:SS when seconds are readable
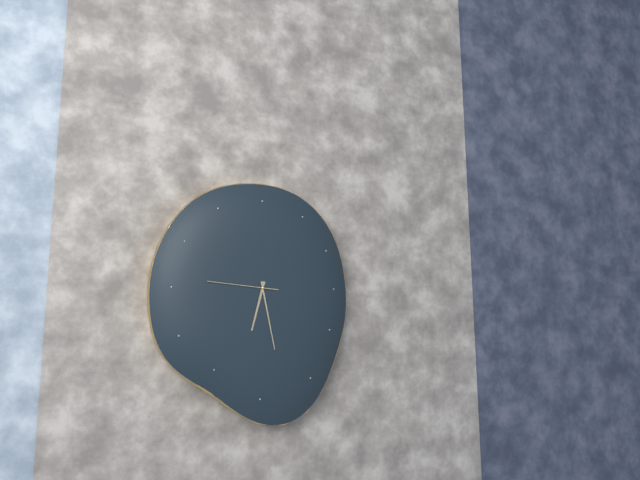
**6:28:46**
